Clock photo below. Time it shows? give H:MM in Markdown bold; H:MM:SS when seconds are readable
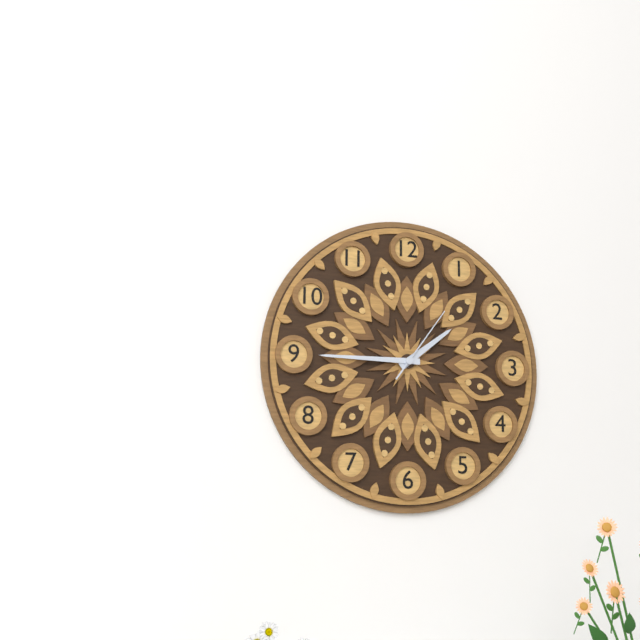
**1:45:06**
